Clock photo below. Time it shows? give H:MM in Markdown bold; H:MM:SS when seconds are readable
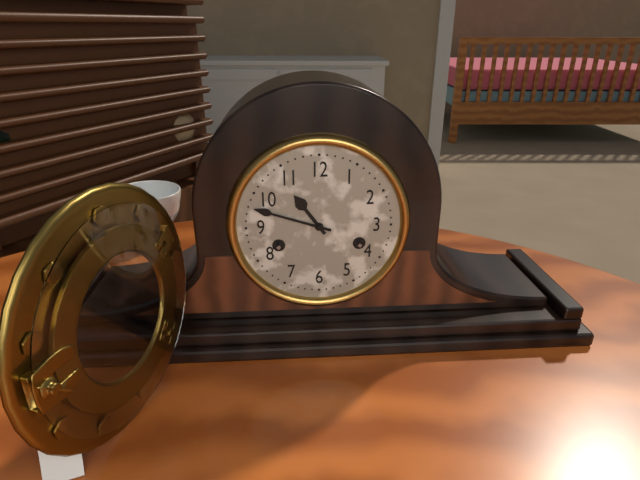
**10:48**
